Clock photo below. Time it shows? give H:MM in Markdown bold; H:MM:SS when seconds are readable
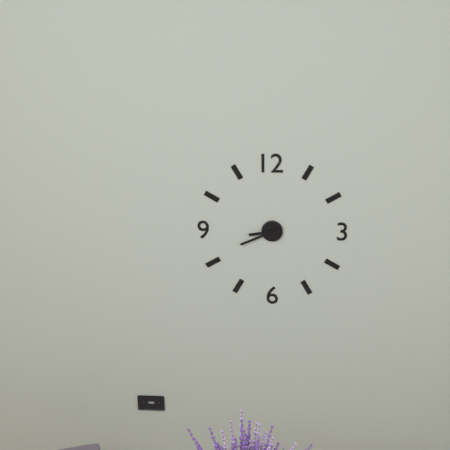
**8:41**
